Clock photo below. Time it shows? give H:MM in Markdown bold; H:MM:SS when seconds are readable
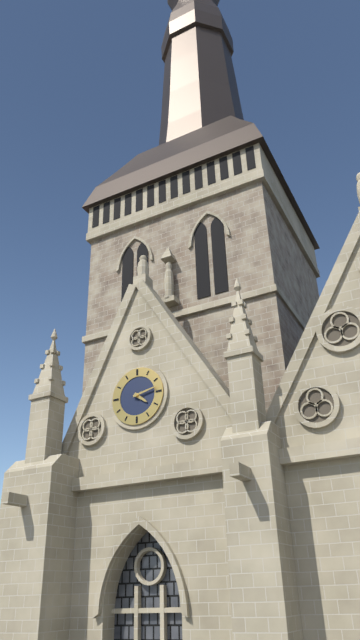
**4:13**
